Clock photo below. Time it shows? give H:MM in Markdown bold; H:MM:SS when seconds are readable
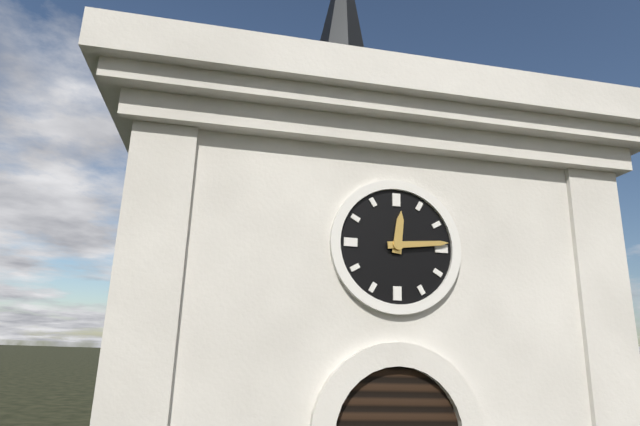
**12:14**
